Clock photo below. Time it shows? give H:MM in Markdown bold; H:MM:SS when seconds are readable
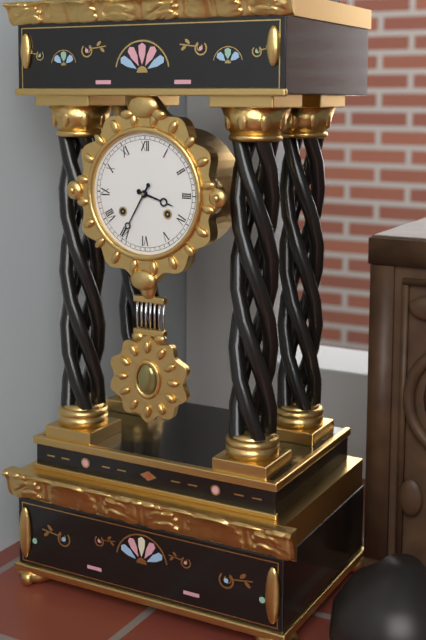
**3:35**
